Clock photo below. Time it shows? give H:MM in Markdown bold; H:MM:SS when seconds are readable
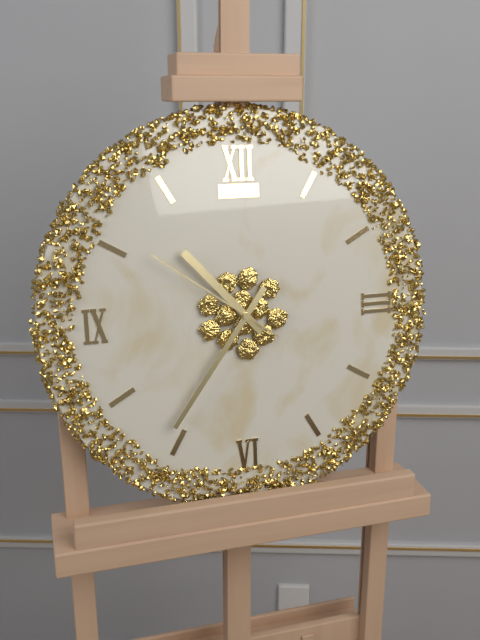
**10:36:51**
